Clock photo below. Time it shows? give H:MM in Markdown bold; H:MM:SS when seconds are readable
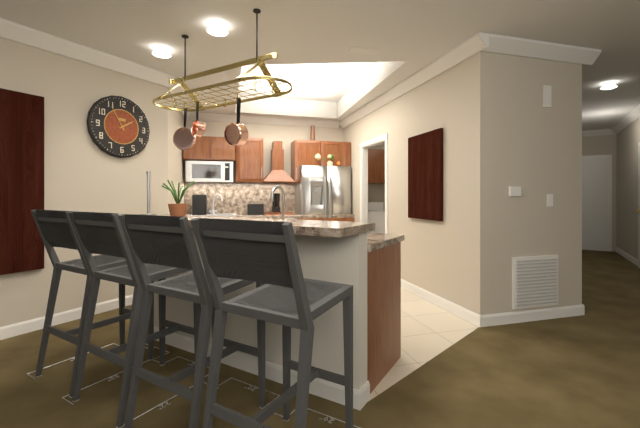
**1:55**
